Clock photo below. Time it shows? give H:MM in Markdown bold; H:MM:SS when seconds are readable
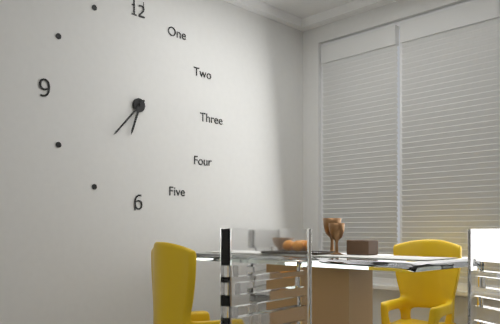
**6:37**
